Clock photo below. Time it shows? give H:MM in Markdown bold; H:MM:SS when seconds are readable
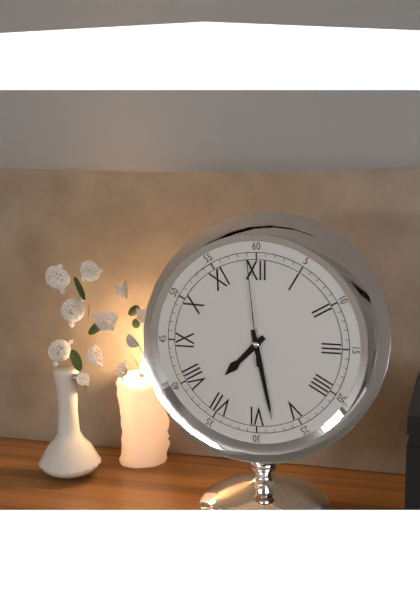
**7:28:59**
